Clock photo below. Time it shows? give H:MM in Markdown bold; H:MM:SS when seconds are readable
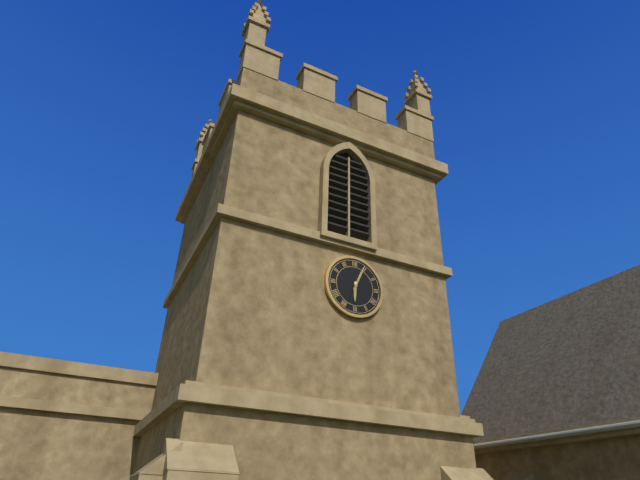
**6:04**
